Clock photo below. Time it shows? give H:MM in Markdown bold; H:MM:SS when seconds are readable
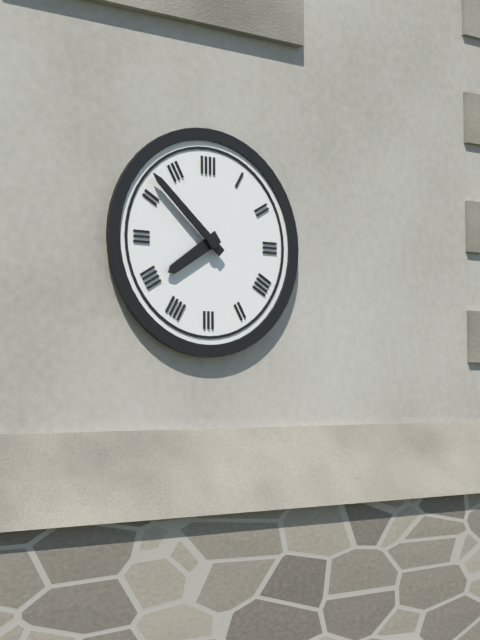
**7:52**
